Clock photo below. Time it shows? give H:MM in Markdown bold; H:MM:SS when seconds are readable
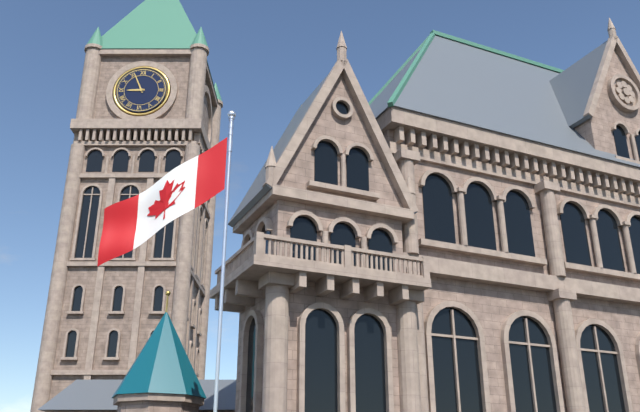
**8:56**
